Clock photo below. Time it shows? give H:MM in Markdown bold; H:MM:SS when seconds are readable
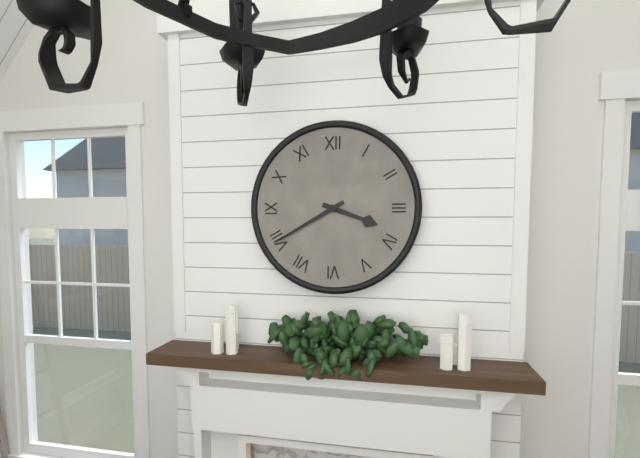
**3:40**
